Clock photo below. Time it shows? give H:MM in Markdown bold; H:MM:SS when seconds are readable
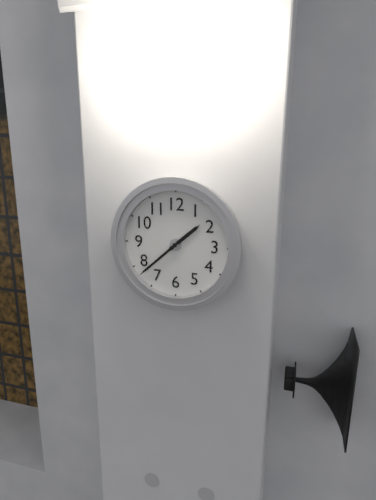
**1:38**
